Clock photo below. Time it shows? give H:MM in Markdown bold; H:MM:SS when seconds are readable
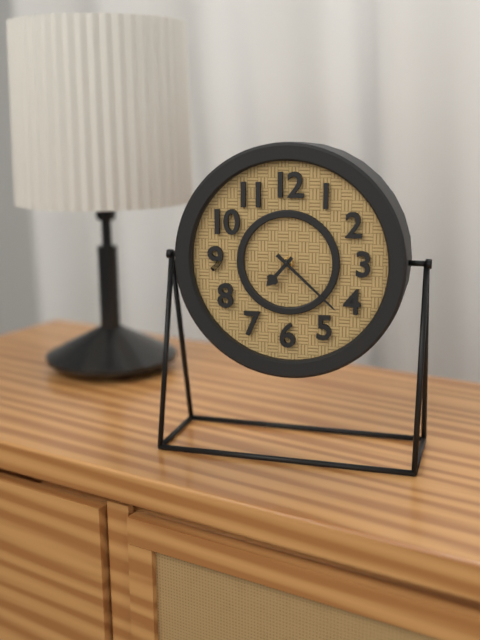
**7:22**
